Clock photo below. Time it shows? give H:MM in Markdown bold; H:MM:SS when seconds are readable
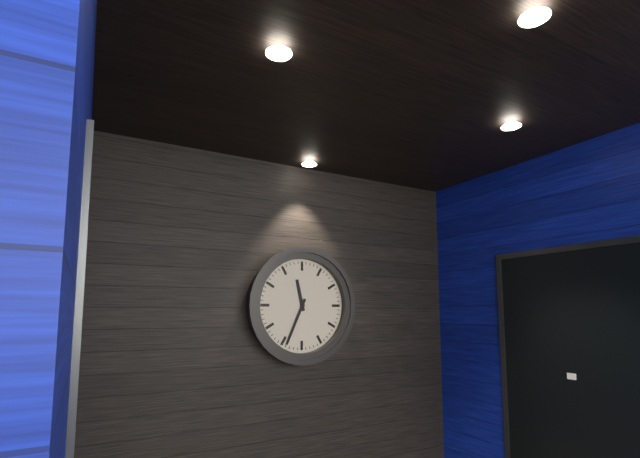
**11:34**
